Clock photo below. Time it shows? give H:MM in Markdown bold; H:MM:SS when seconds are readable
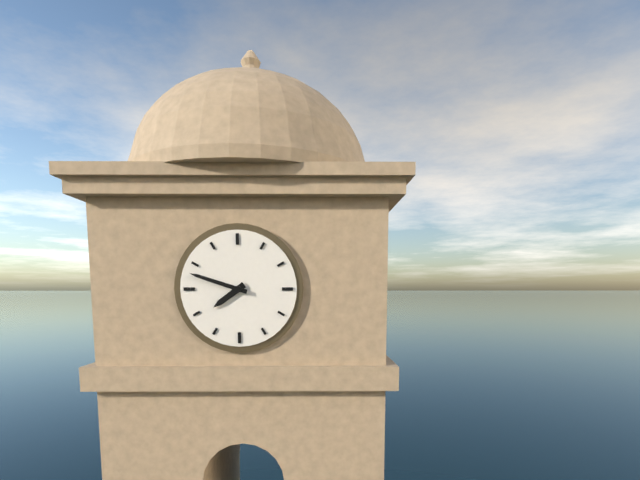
**7:48**
